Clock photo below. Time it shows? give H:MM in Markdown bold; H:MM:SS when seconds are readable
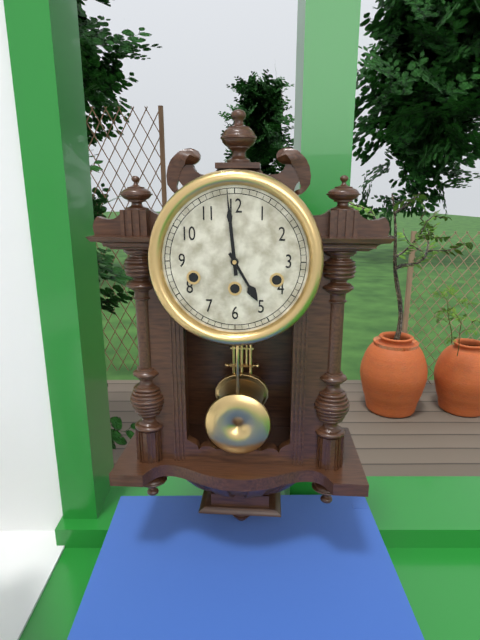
**4:59**
